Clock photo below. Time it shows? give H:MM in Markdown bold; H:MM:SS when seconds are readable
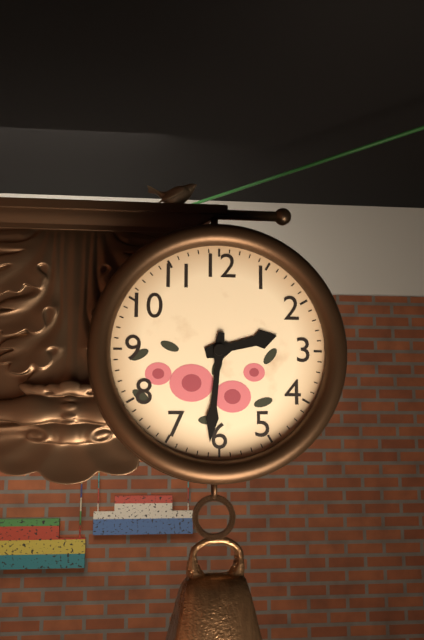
**2:31**
